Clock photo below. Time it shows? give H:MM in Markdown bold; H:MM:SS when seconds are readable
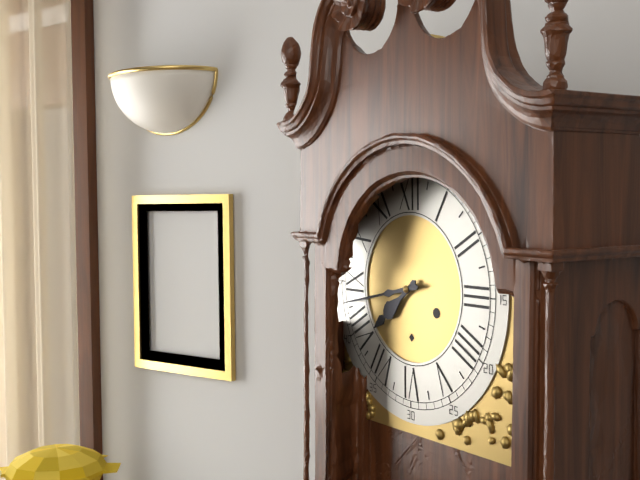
**7:43**
